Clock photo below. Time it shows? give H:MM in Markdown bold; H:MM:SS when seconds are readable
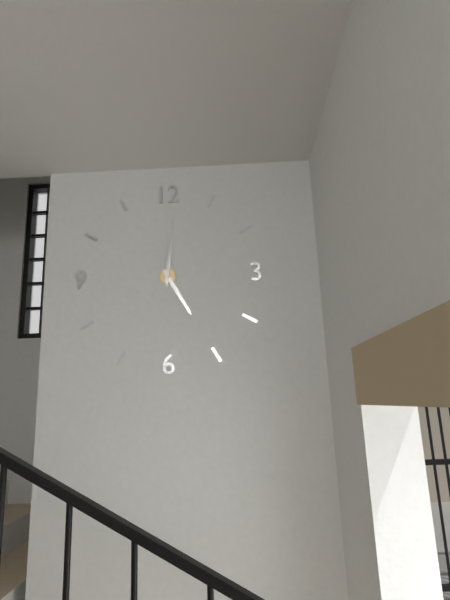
**5:01**
